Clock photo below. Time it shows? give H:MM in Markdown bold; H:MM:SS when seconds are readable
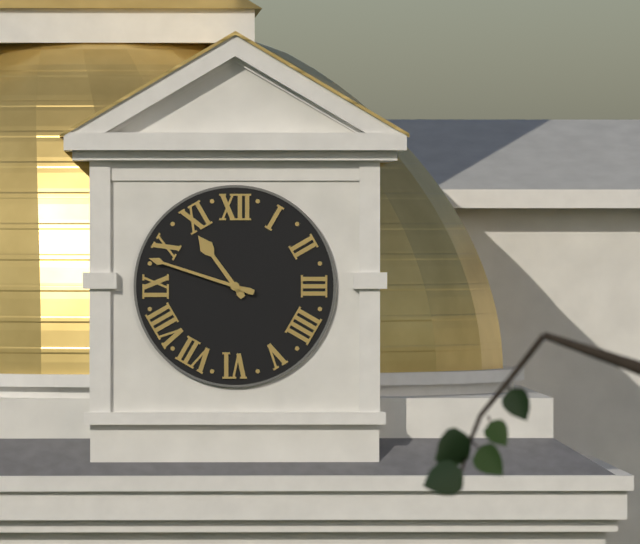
**10:48**
